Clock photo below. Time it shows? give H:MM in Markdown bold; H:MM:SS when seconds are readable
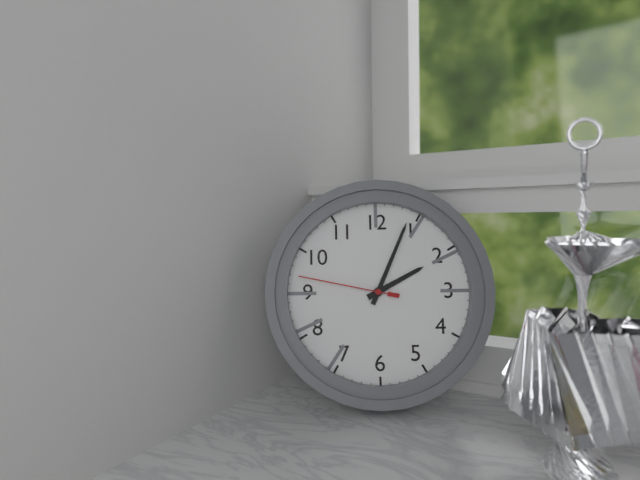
**2:04:47**
